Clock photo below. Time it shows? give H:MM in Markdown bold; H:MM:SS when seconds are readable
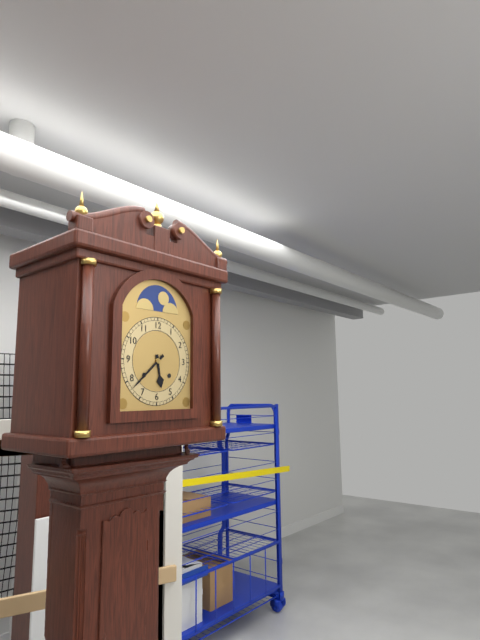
**5:38**
